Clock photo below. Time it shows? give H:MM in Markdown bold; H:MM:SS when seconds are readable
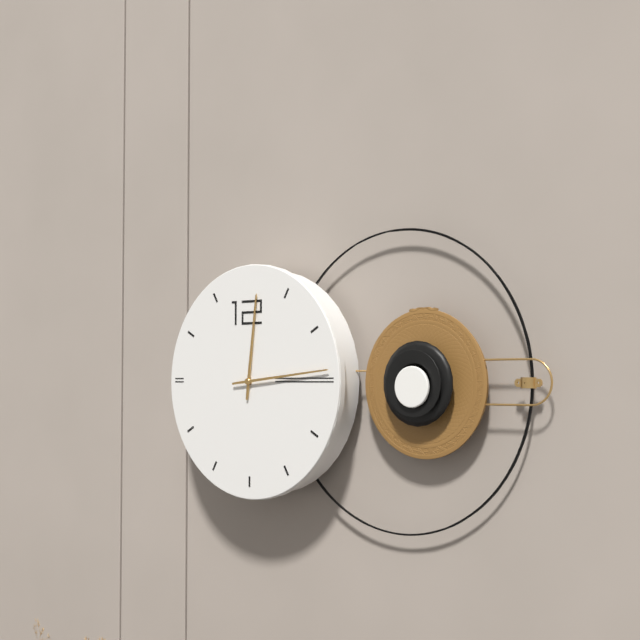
**12:14**
